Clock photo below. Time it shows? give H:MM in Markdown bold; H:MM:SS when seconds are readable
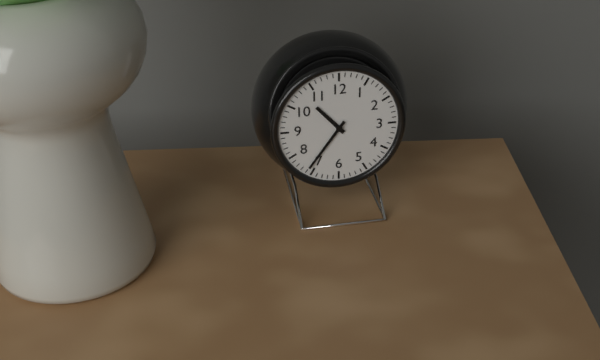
**10:36**
